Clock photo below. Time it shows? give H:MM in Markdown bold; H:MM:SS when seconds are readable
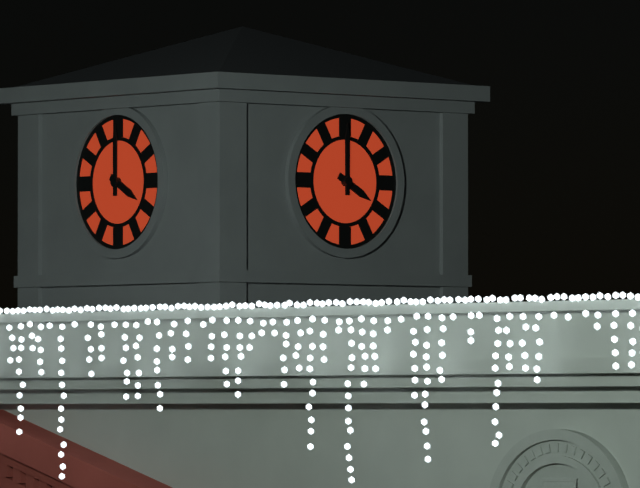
**4:00**
